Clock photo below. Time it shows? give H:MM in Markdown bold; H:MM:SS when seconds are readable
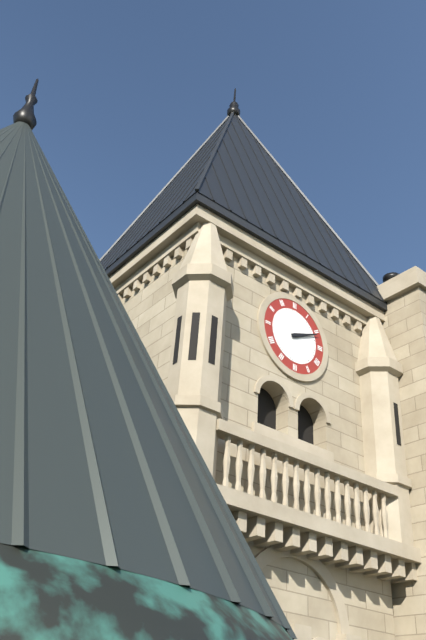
**2:11**
